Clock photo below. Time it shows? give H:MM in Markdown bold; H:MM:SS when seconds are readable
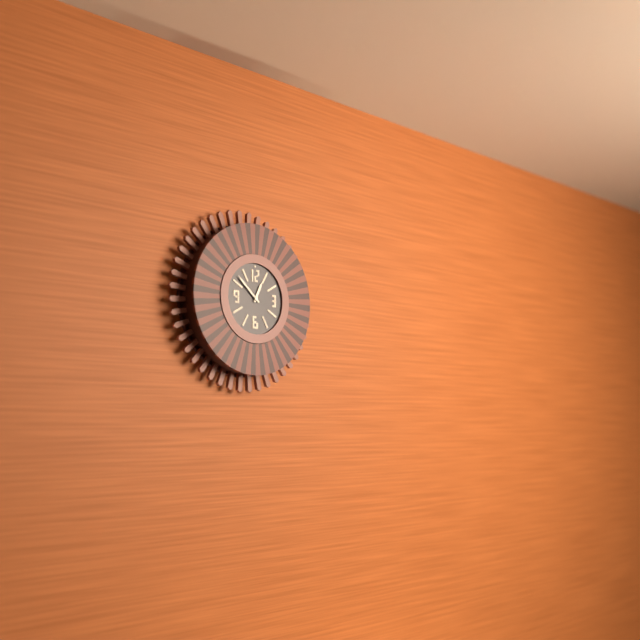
**12:52**
